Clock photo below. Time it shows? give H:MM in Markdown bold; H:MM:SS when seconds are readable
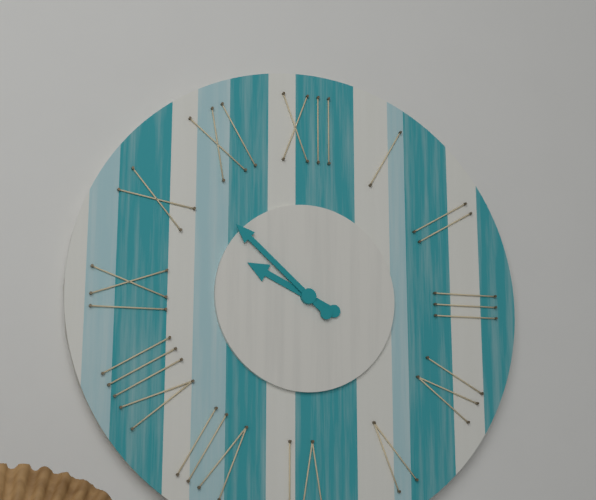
**9:52**
